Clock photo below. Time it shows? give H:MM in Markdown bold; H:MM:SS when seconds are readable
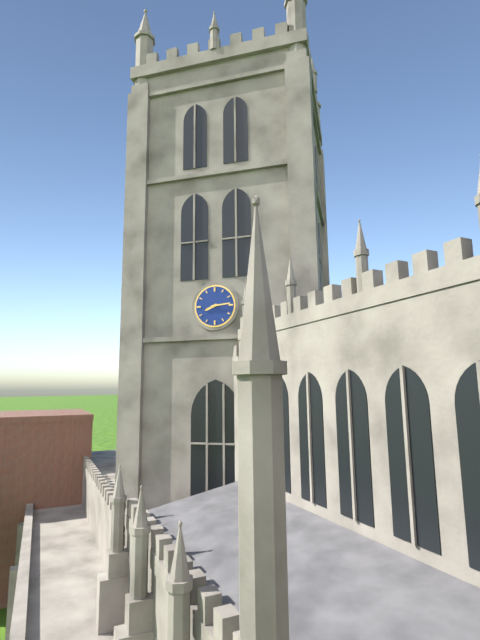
**8:14**
